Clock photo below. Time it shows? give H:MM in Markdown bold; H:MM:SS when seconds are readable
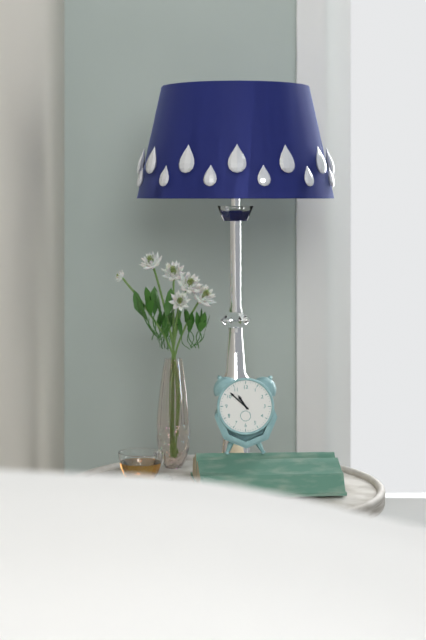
**10:52**
